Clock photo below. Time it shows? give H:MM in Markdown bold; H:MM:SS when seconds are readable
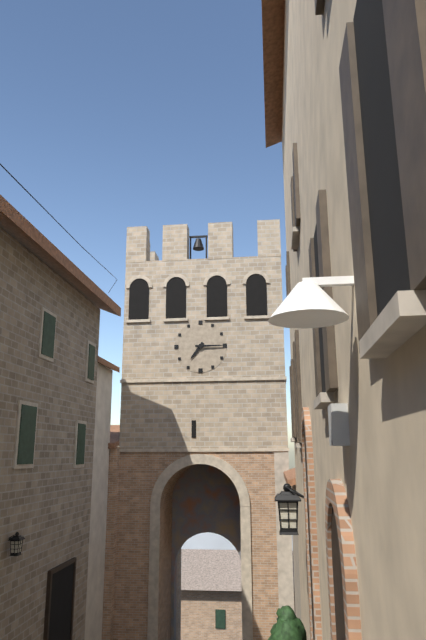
**7:15**
